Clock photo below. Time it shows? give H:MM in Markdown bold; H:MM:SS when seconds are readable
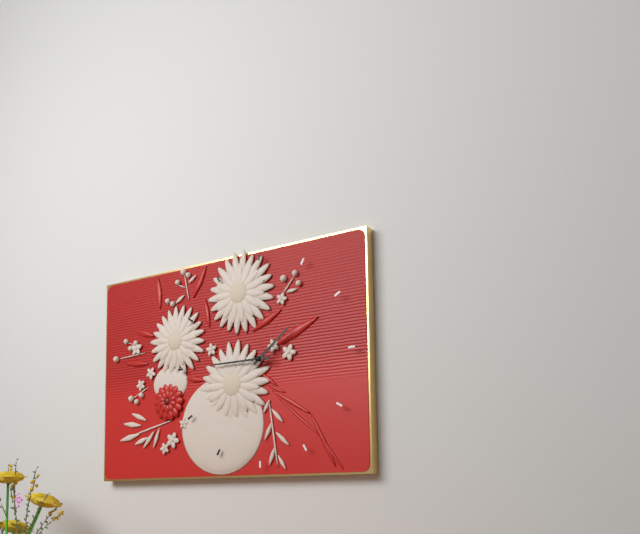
**1:45**
